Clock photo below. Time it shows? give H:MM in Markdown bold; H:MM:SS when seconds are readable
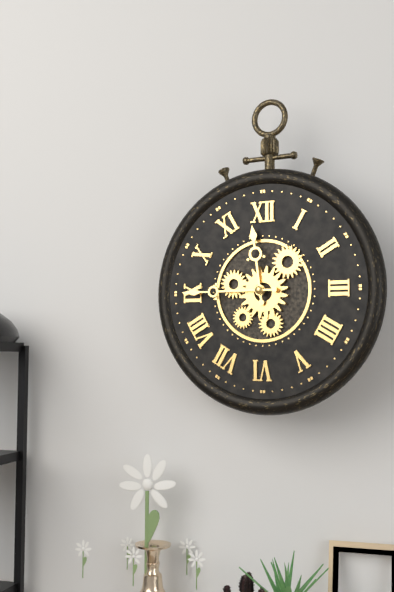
**11:45**
